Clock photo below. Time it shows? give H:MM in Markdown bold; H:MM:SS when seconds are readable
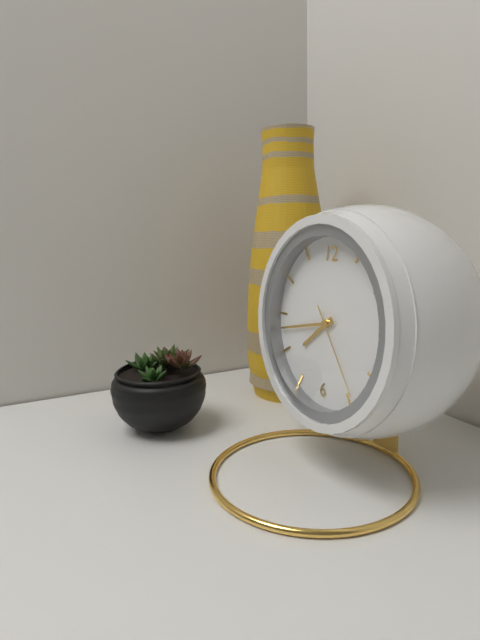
**7:43:24**
